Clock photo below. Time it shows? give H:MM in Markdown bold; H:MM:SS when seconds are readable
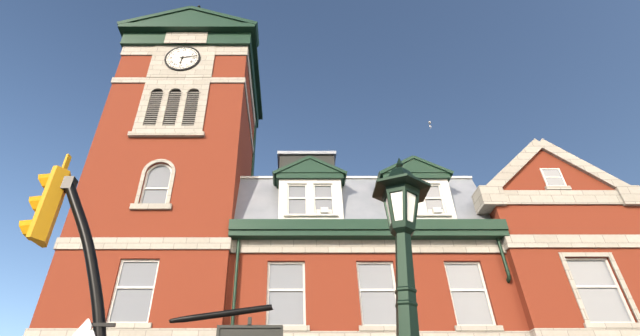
**6:13**
